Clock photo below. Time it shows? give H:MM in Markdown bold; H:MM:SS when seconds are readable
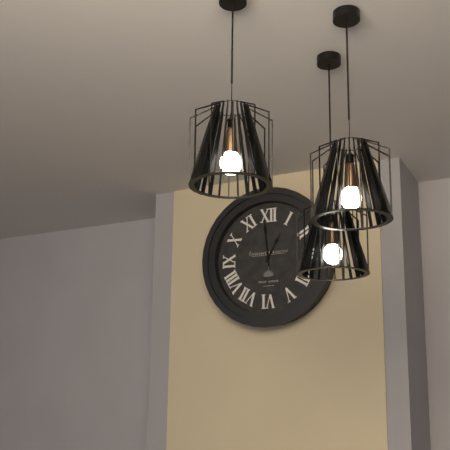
**12:59**
